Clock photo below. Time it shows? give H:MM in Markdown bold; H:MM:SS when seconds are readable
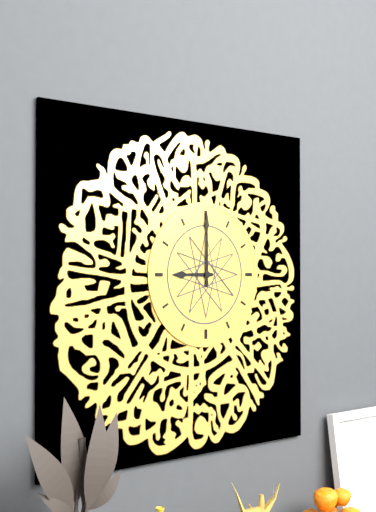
**9:00**
